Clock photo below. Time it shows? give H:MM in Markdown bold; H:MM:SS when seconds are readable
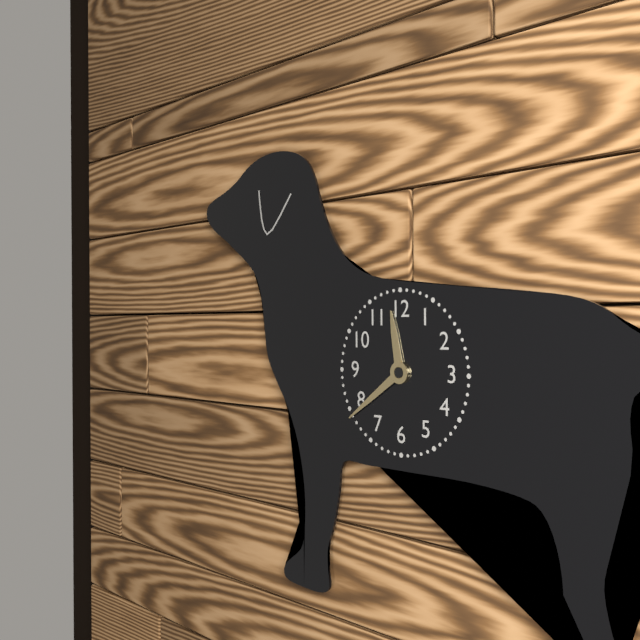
**11:39**
